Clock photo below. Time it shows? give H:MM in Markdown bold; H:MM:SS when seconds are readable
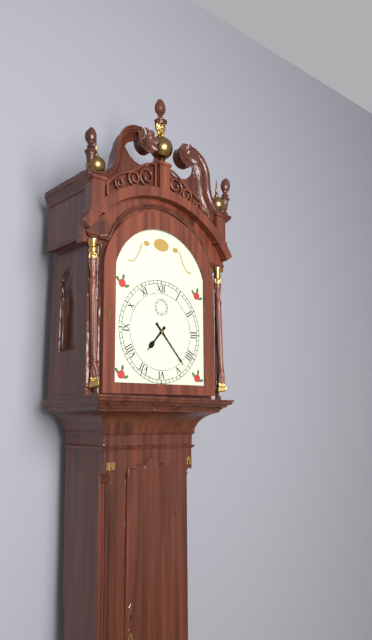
**7:23**
